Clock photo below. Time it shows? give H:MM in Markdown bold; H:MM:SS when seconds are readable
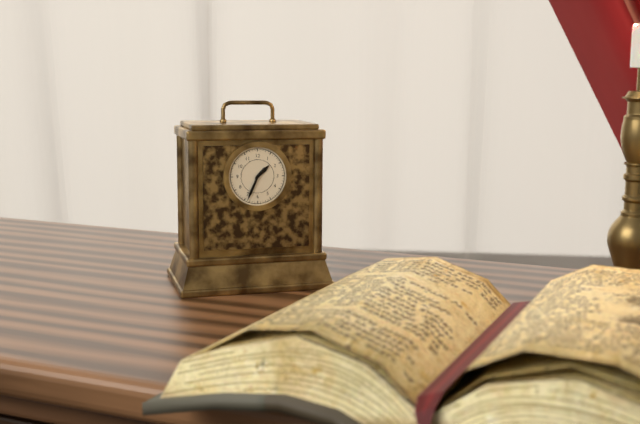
**1:34**
